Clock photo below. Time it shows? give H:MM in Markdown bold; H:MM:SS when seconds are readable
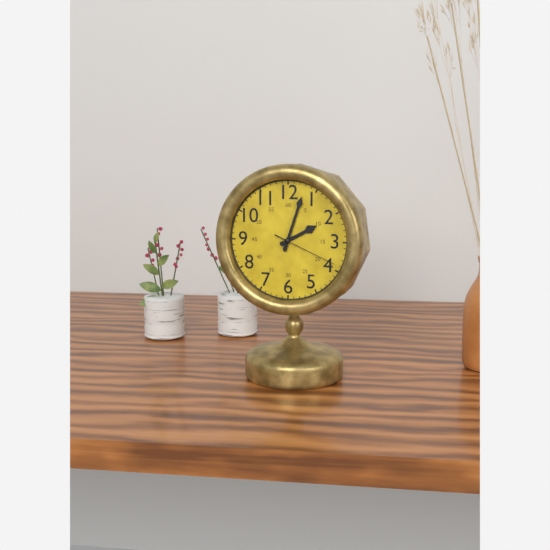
**2:03:19**
